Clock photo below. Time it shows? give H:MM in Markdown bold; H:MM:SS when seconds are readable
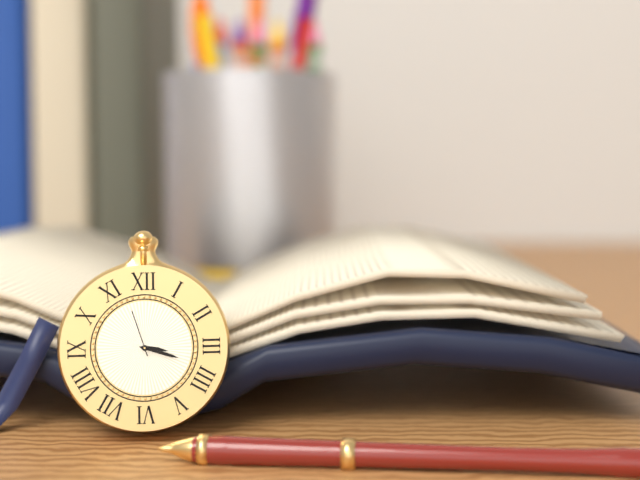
**3:18**
